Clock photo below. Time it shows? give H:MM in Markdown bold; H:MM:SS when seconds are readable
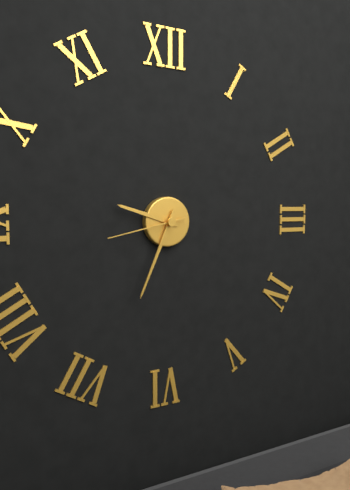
**9:34:43**
